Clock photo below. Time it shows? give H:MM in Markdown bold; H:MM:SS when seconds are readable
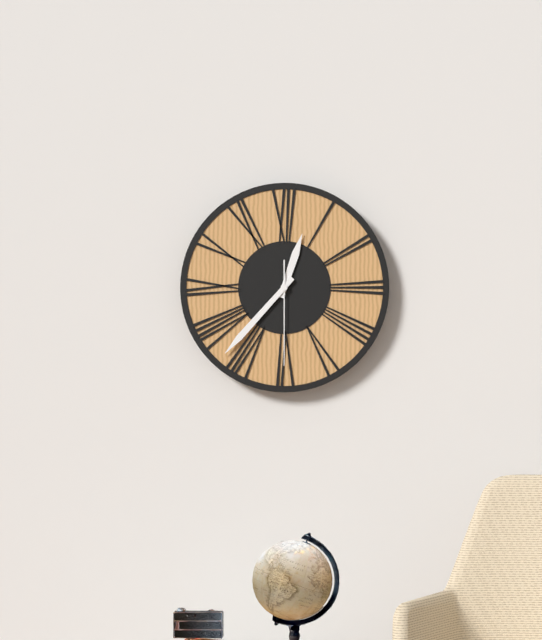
**12:37:30**
